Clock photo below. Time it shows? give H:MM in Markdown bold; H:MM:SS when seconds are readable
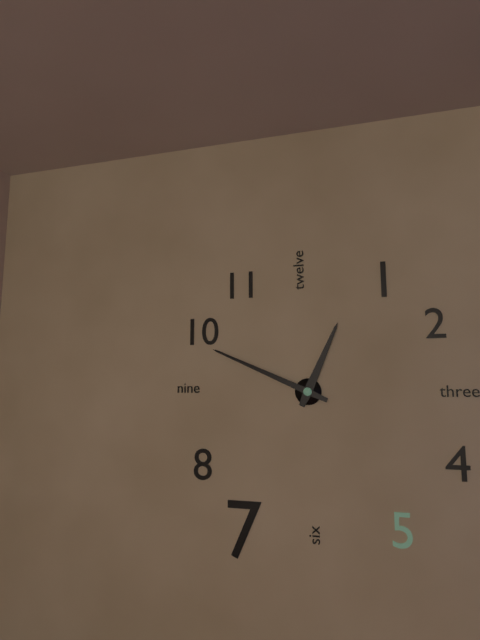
**12:49**
